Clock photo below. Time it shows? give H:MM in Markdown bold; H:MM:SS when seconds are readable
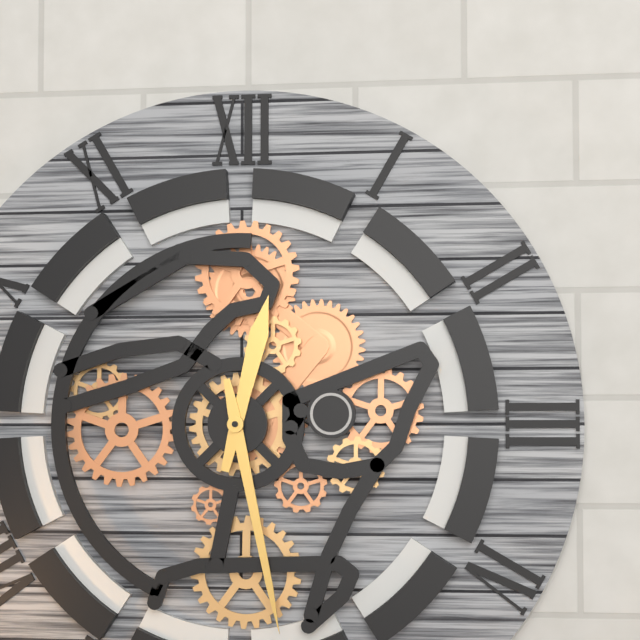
**12:28**
